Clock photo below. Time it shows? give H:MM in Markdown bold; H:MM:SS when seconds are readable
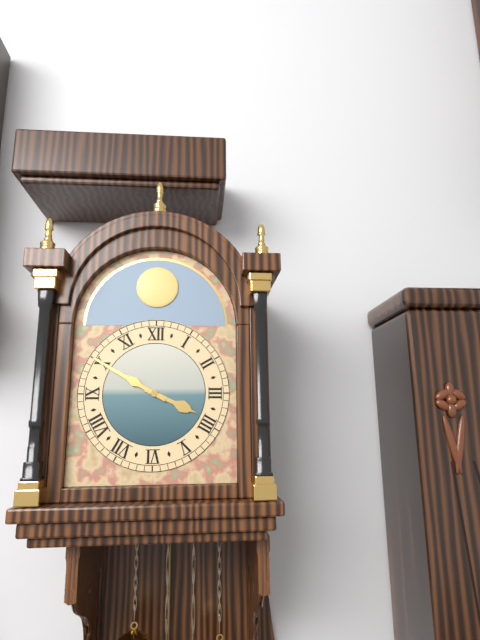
**3:50**
